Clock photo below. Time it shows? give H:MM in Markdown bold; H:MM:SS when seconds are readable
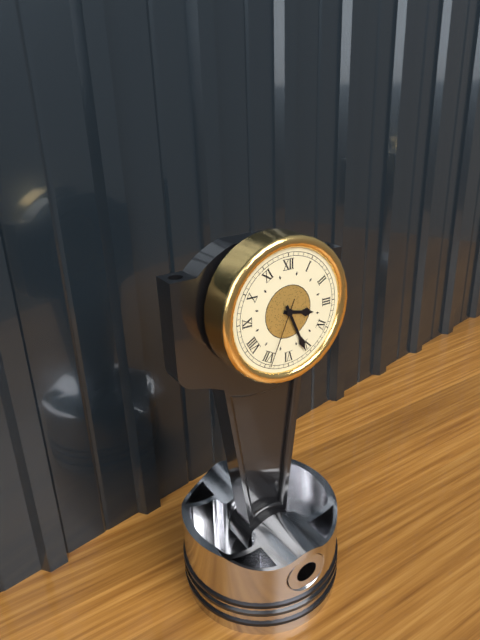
**3:26:34**
